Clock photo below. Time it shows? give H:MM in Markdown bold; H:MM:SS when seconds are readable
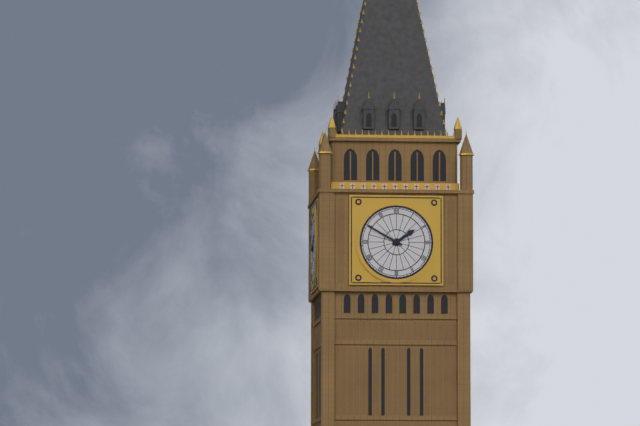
**1:50**
